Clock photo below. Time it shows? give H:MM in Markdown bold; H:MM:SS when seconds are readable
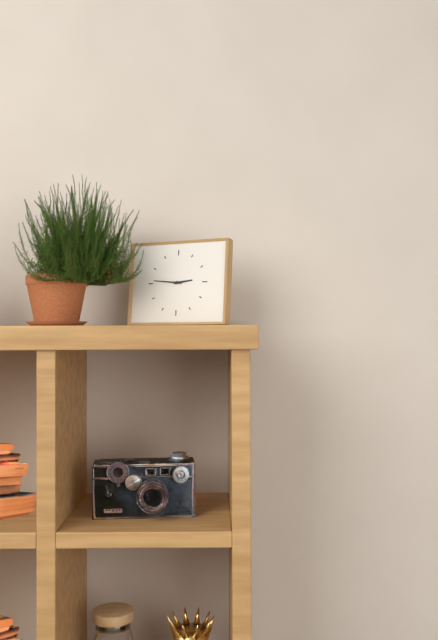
**2:46**
